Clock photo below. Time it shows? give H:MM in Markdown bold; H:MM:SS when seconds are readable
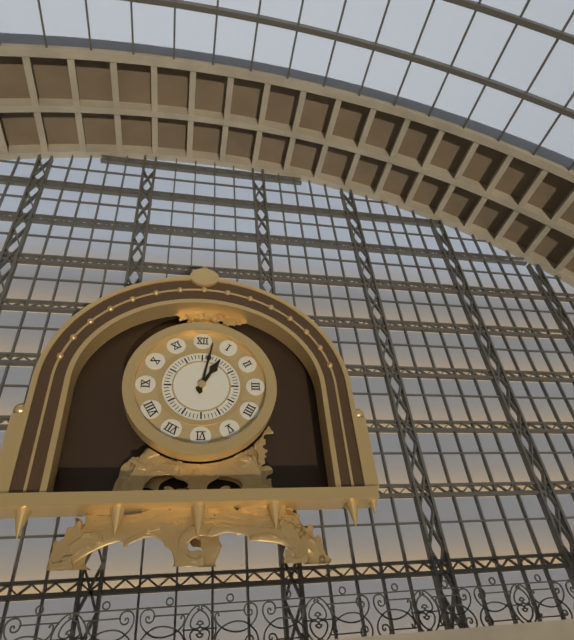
**1:02**
